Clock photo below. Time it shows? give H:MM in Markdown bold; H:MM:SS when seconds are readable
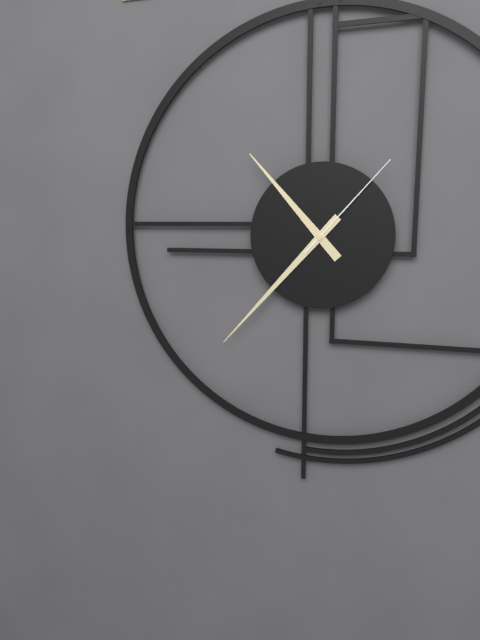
**10:37:07**
